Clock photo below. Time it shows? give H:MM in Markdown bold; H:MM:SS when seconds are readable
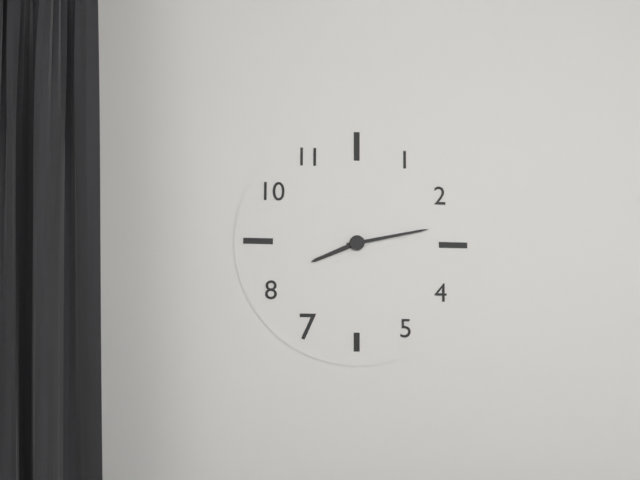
**8:13**
